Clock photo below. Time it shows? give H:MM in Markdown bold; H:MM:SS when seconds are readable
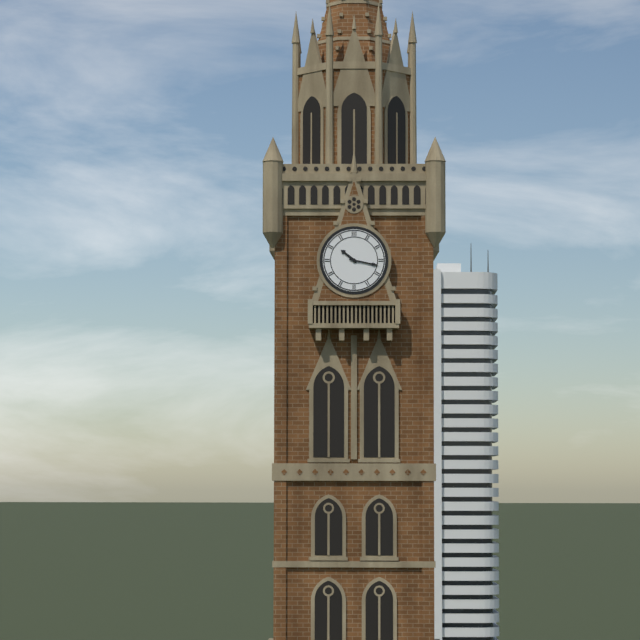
**10:17**
